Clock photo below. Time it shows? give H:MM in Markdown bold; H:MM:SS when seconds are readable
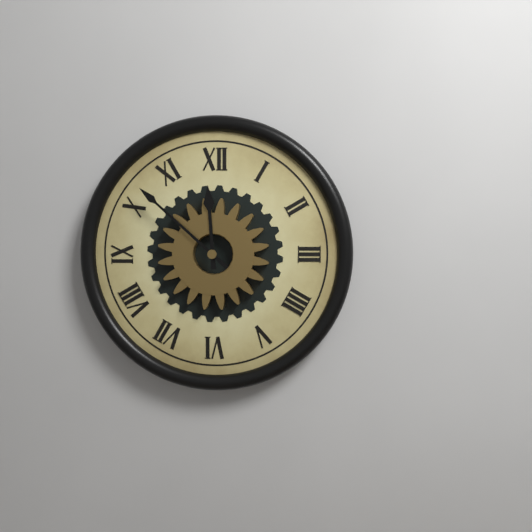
**11:52**
